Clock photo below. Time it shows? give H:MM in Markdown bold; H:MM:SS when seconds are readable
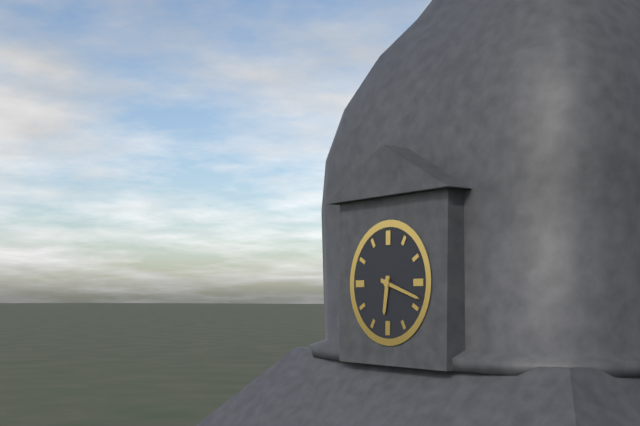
**6:18**
